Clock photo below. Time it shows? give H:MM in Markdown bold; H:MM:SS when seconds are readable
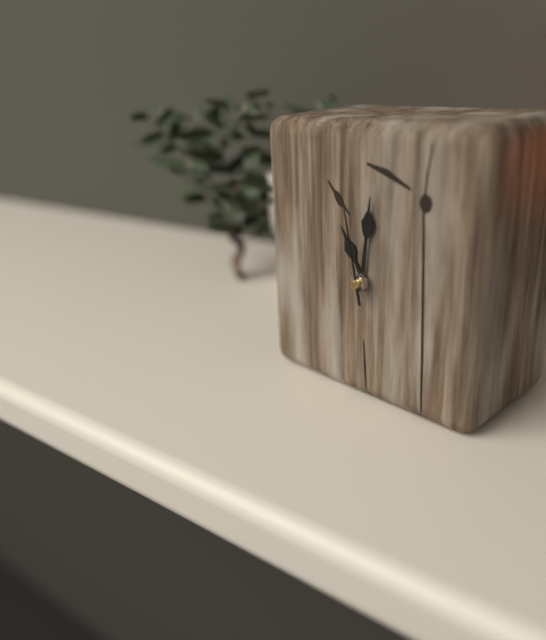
**11:01:58**
